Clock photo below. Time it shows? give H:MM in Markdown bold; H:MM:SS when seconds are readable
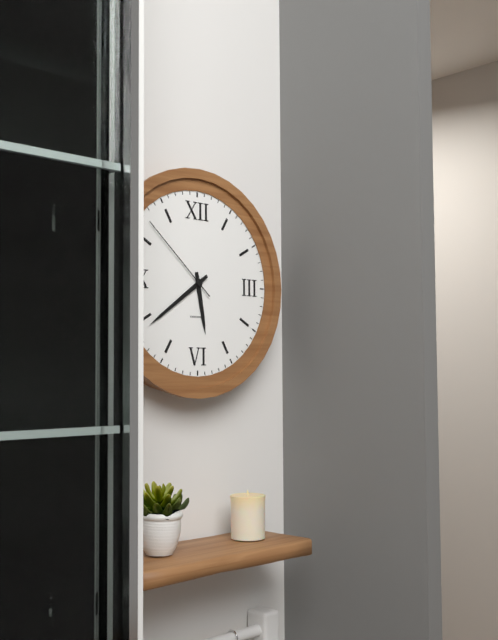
**5:39:52**
